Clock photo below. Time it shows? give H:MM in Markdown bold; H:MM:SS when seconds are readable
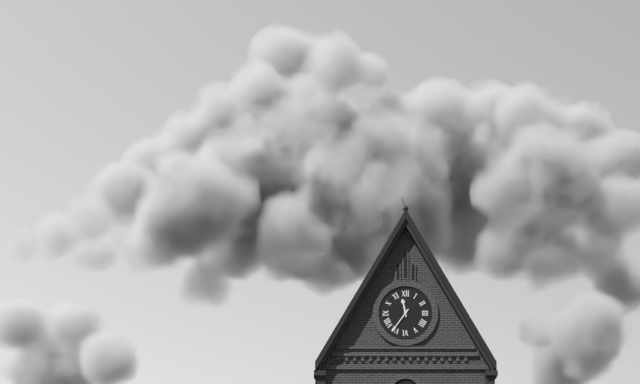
**11:36**
